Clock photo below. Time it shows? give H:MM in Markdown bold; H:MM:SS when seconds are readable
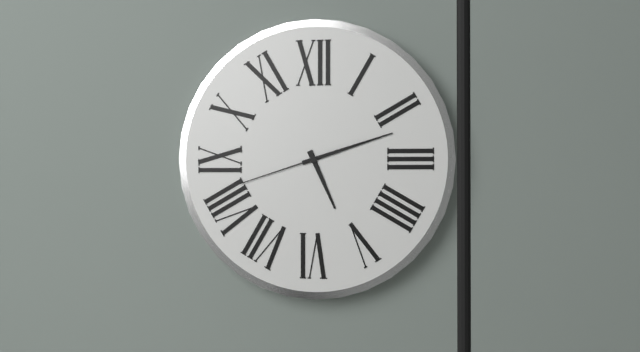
**5:12:42**
